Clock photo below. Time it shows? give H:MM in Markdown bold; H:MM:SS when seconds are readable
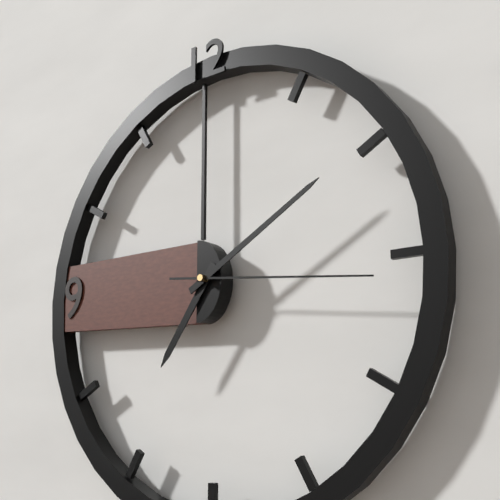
**7:10:16**
